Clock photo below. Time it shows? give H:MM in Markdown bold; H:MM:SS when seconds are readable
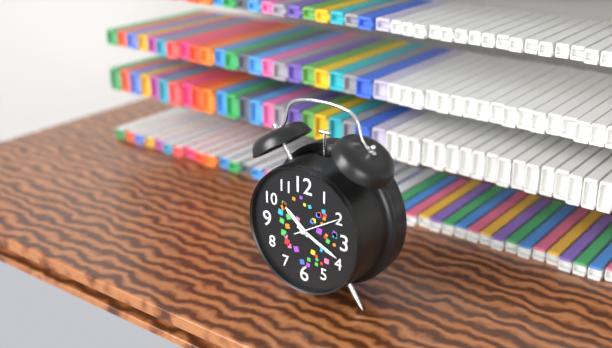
**10:19**
